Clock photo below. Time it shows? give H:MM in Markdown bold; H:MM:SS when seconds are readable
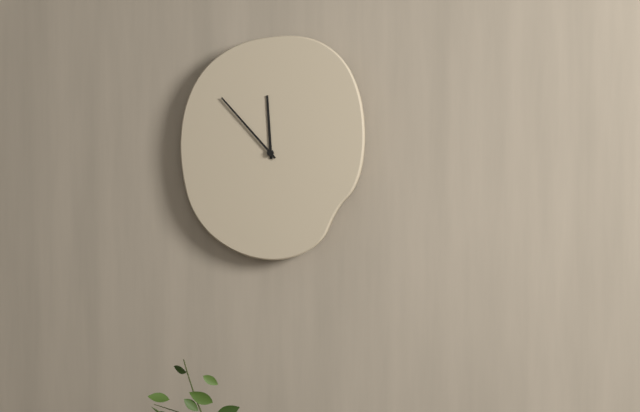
**11:53**
